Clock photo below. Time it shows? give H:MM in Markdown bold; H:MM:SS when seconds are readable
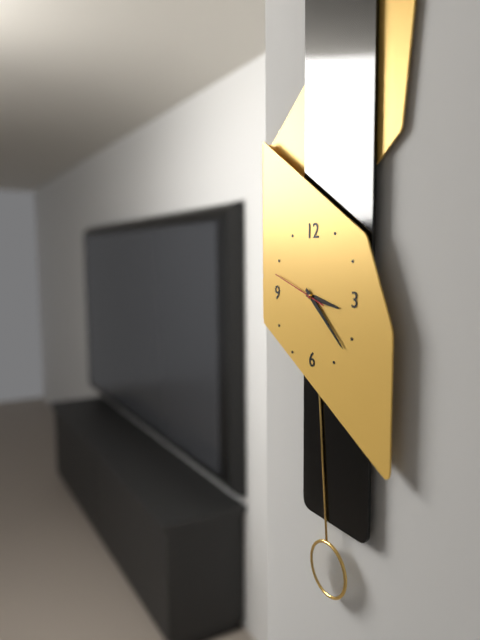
**3:22:48**
